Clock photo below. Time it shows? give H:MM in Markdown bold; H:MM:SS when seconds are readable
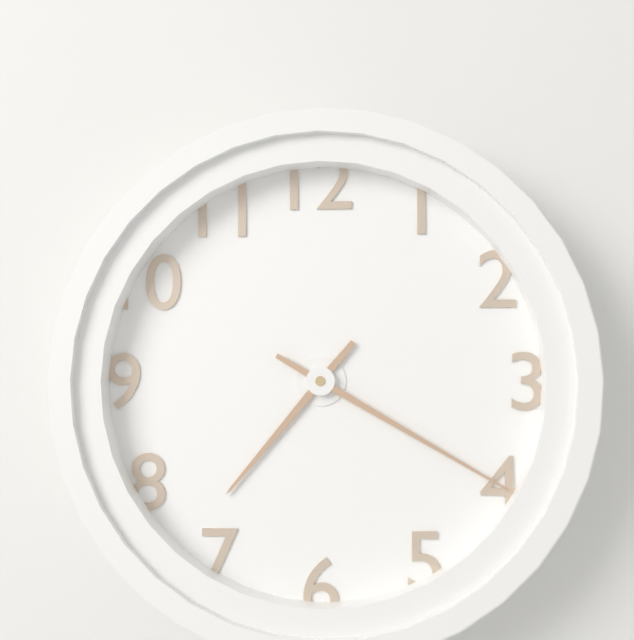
**7:20**
